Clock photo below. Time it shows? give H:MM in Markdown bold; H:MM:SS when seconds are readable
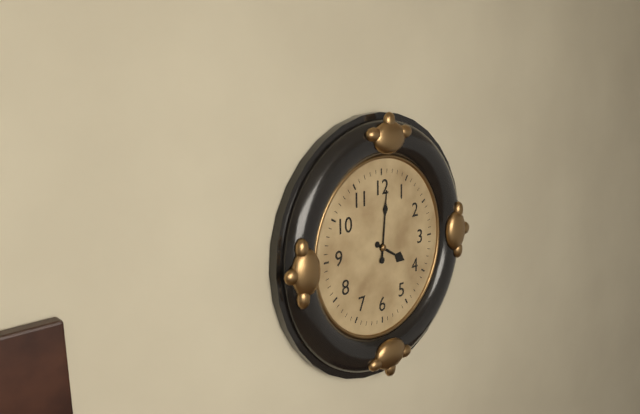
**4:01**
